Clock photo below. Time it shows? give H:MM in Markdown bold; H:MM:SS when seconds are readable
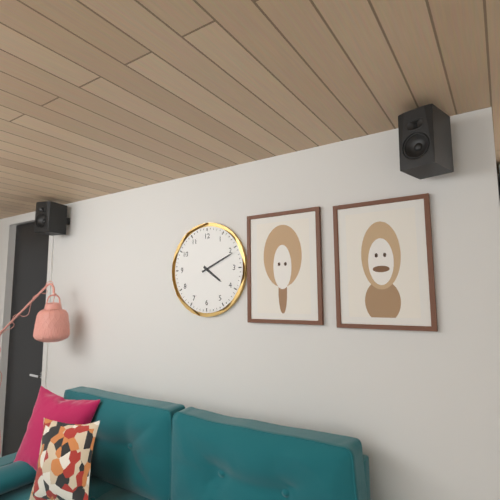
**4:11**
